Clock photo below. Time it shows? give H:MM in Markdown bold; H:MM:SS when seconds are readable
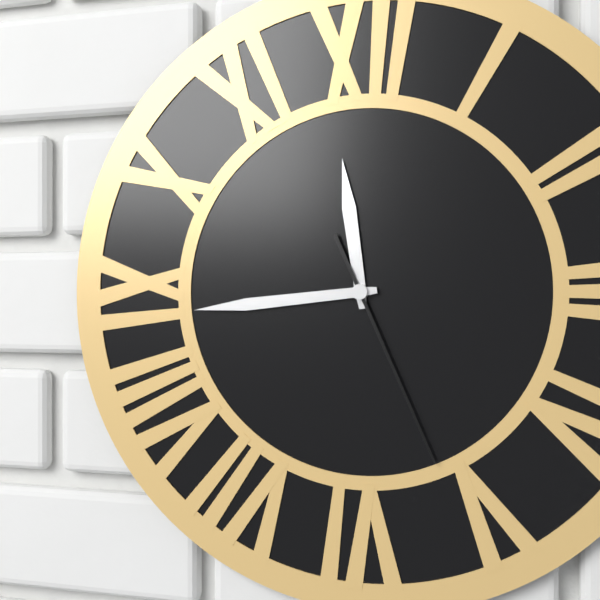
**11:44:26**
